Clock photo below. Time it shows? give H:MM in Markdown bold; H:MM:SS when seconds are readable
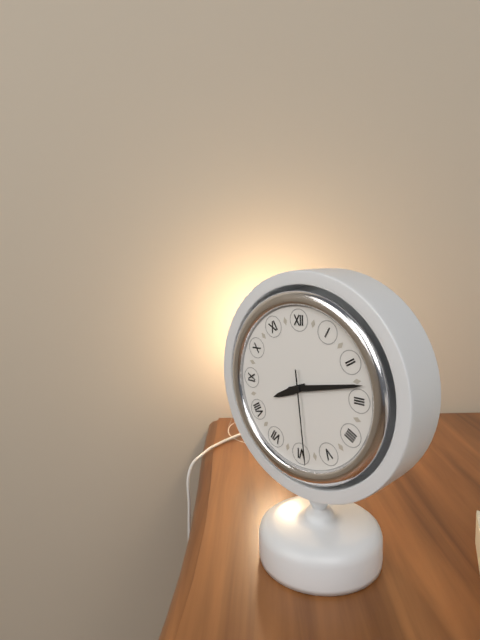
**8:13:29**
